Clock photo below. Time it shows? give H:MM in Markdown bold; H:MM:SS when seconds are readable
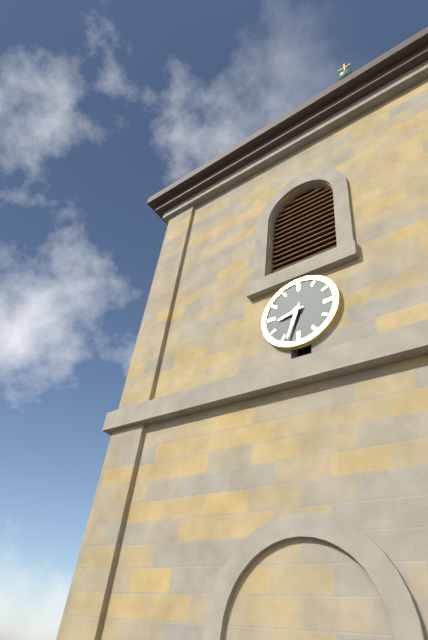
**8:33**
